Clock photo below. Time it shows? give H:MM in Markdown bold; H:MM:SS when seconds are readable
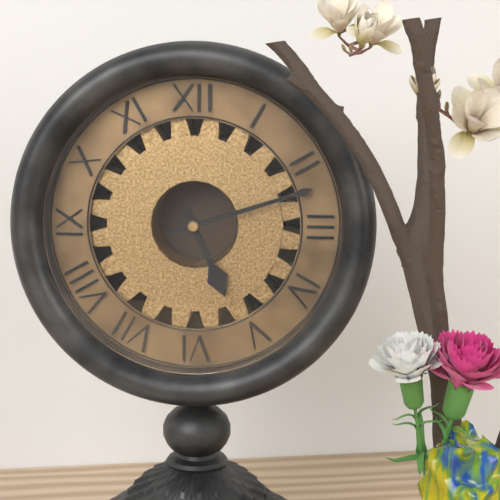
**5:12**
